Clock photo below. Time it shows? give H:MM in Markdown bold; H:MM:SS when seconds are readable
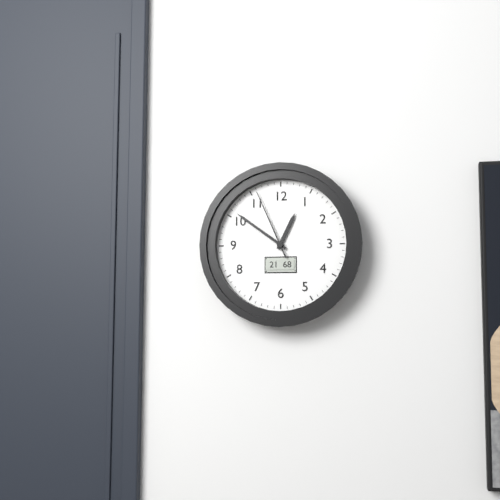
**12:51:56**
